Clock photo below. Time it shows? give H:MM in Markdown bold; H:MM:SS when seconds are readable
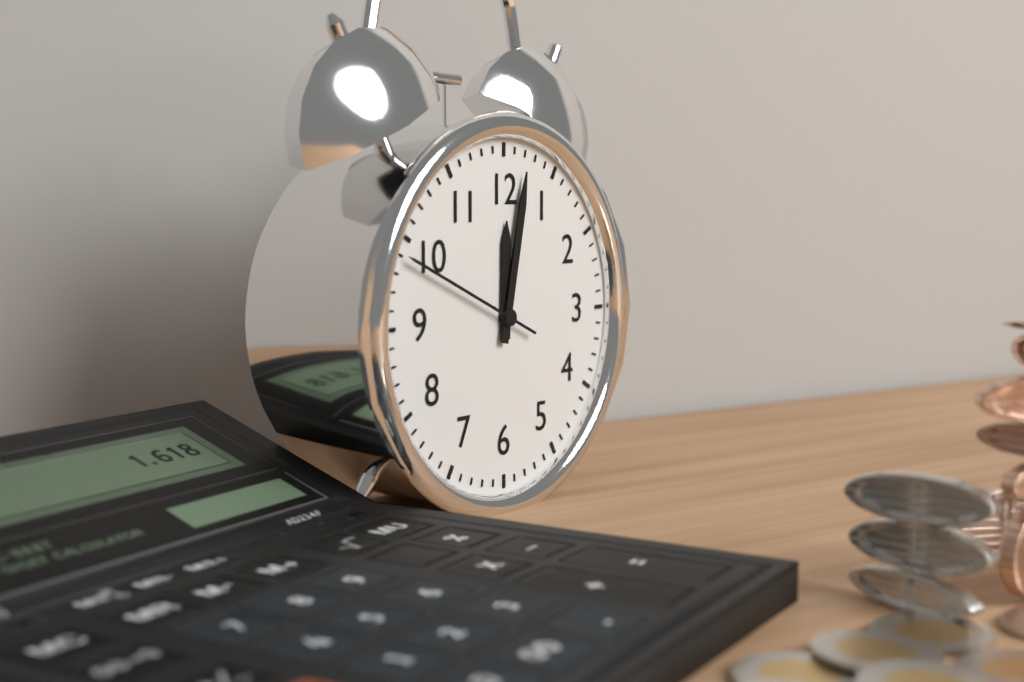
**12:02:49**
